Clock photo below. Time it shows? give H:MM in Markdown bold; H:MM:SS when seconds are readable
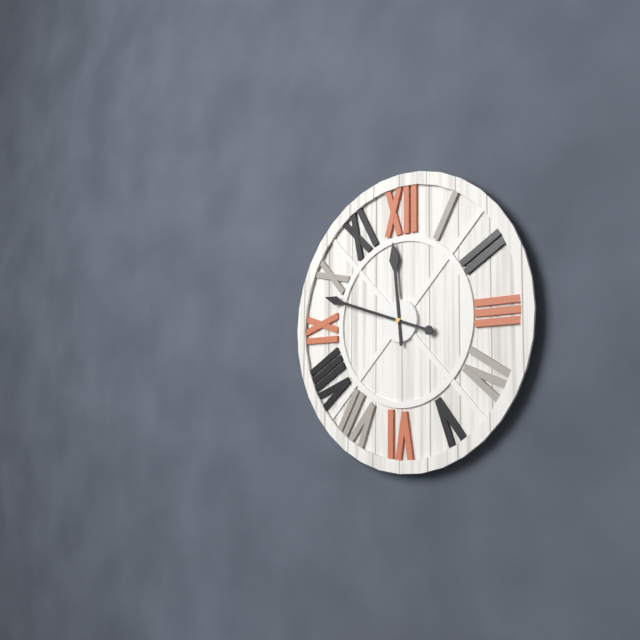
**11:48**
